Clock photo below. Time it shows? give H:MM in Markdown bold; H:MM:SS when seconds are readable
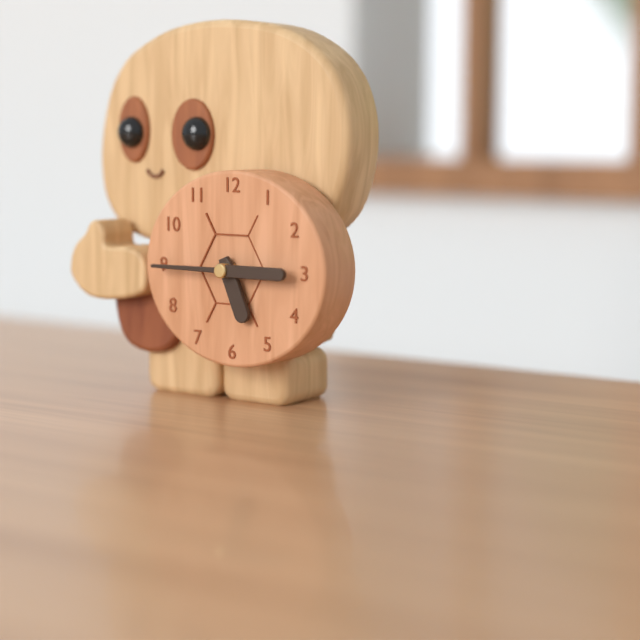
**5:15**
